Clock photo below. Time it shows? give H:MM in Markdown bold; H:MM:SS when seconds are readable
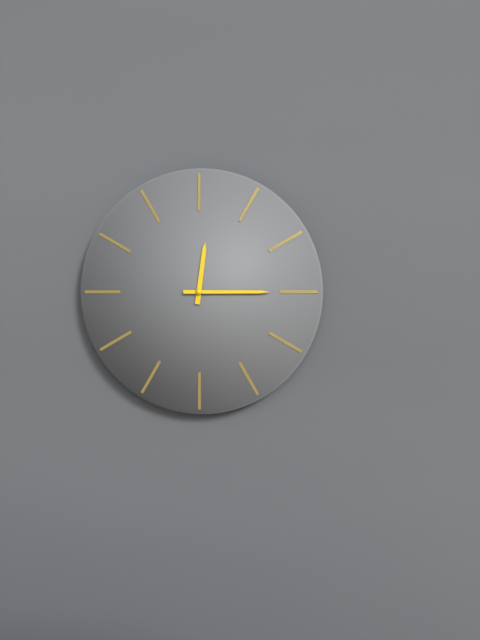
**12:15**
